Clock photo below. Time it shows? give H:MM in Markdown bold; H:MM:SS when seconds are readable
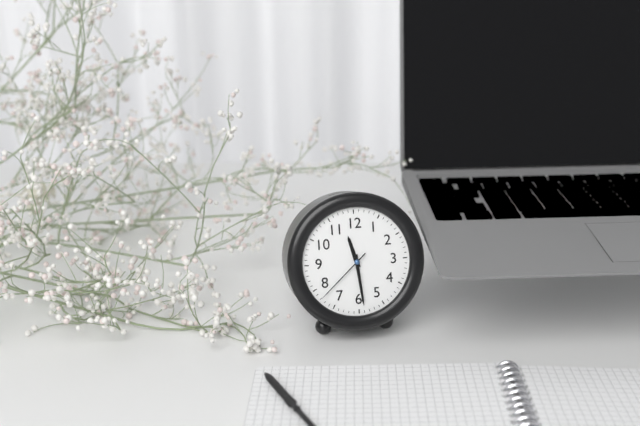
**11:29:38**
